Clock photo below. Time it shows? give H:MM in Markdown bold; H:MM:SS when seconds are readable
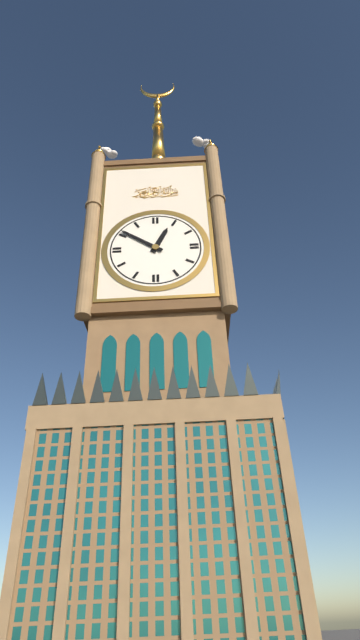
**12:51**
